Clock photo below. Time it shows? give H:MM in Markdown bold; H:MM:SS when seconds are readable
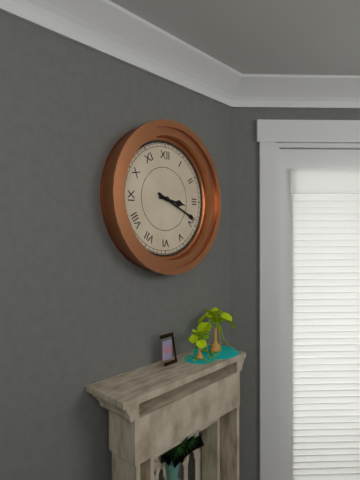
**3:19**
